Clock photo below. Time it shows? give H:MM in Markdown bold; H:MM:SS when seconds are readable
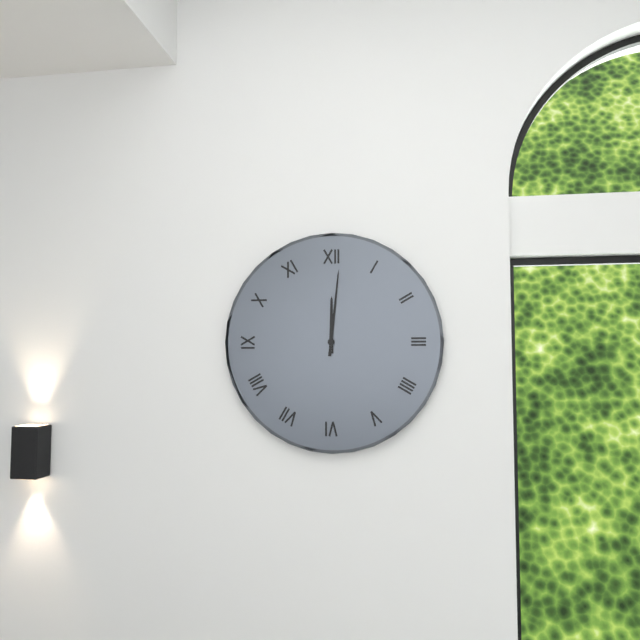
**12:01**
